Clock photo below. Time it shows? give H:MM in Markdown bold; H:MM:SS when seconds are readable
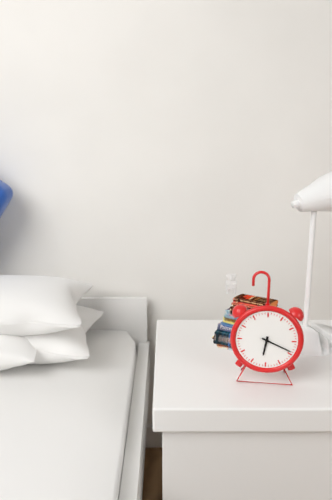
**6:19**
